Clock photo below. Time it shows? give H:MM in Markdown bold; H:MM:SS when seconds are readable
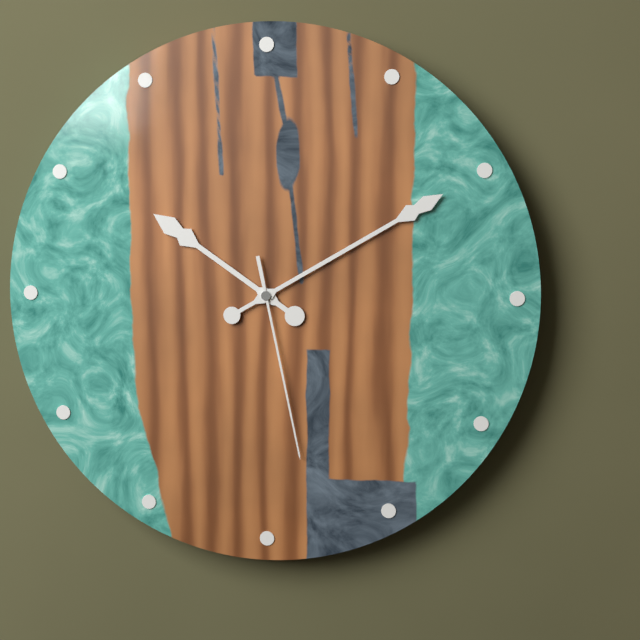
**10:10:28**
